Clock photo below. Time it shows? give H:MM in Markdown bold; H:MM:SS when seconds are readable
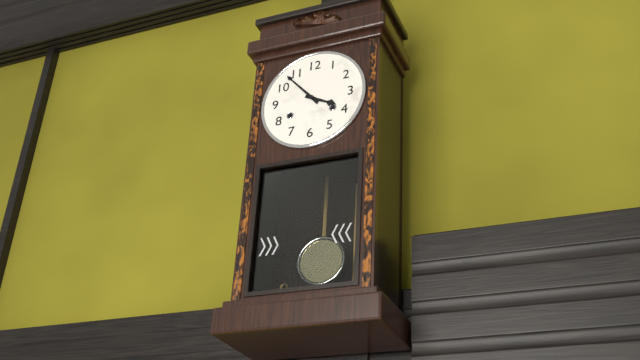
**3:53**
